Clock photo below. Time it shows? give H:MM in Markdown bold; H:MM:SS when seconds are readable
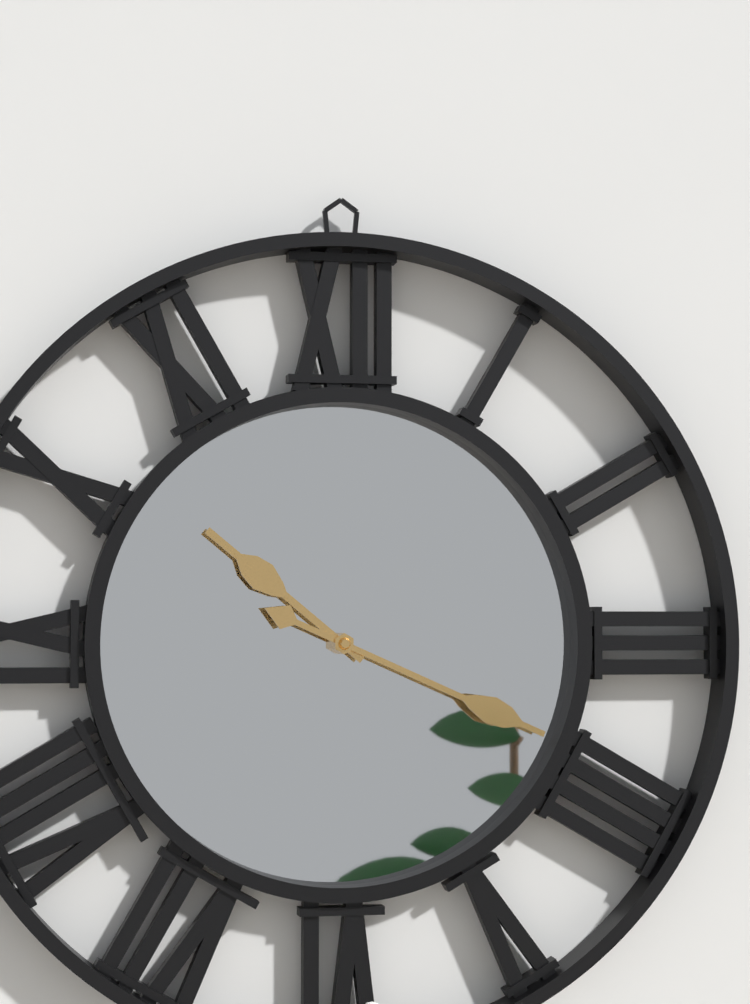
**10:19**
